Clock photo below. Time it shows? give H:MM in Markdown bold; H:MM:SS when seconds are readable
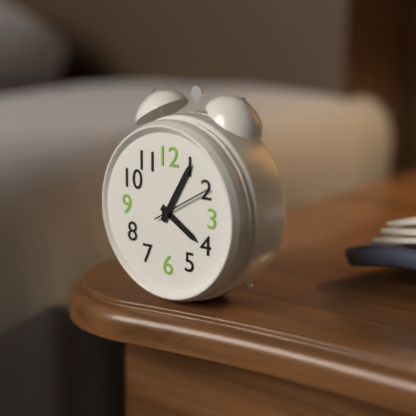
**4:05:10**
